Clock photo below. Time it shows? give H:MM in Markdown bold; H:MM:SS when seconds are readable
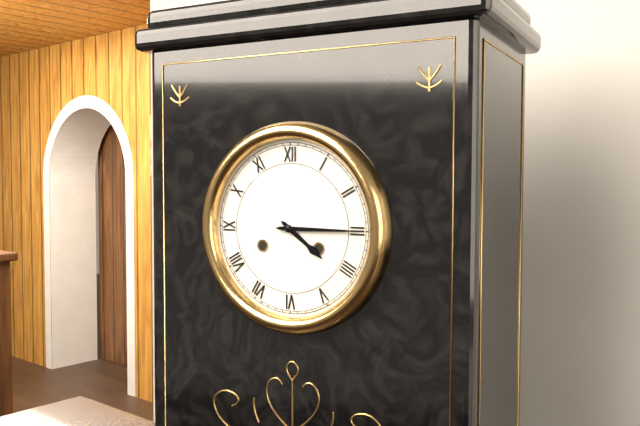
**4:15**
